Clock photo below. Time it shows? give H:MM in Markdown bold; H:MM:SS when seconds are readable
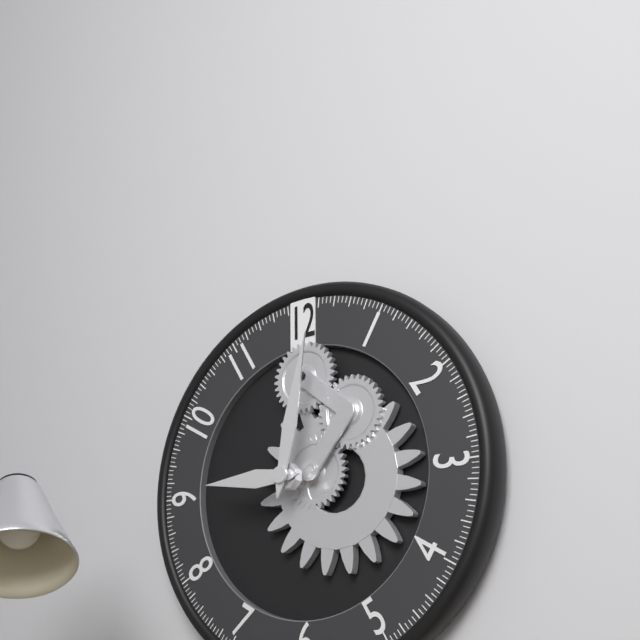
**9:02**
